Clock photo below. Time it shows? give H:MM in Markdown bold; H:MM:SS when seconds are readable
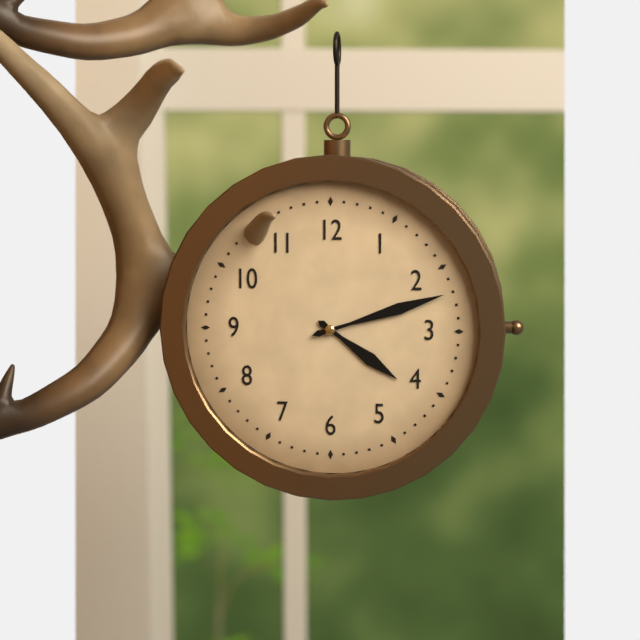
**4:12**
